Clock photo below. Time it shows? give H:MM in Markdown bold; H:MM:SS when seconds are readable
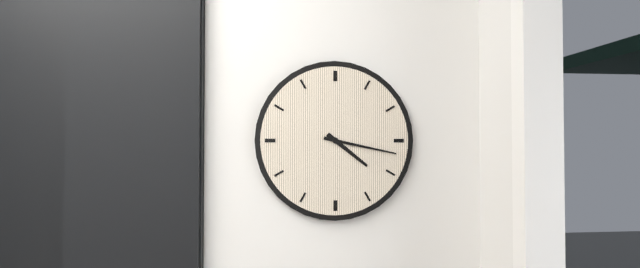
**4:17**
